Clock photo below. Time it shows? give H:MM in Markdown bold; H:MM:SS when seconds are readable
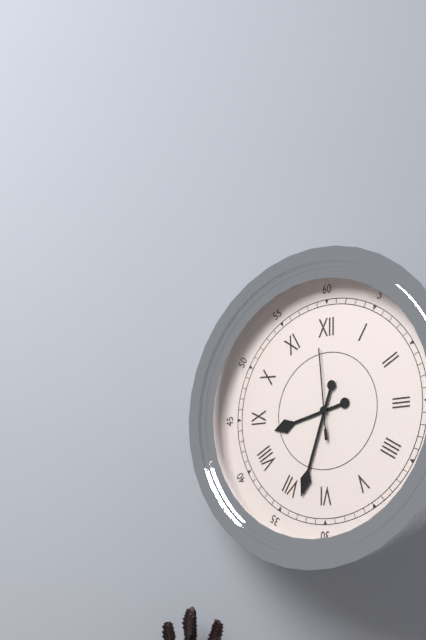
**8:33:59**
